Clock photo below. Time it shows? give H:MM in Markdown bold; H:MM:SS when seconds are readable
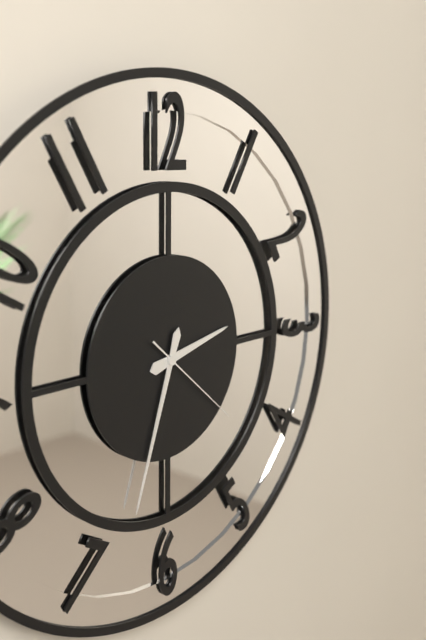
**2:33:22**
